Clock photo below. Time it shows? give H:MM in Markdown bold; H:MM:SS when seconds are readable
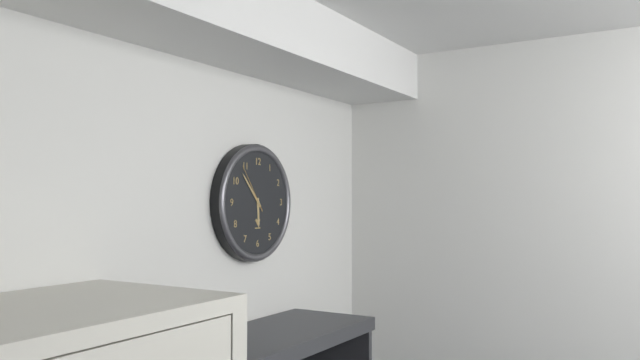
**5:53:54**
